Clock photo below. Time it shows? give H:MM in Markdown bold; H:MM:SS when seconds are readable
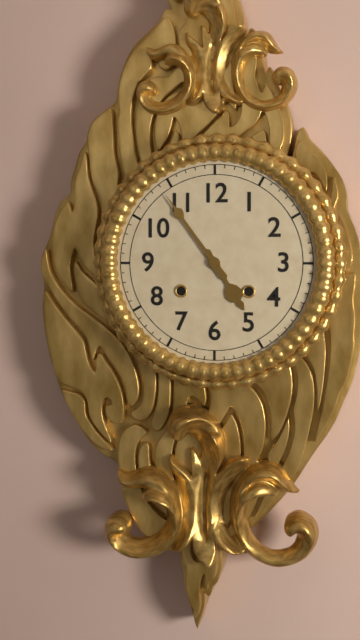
**4:54**
